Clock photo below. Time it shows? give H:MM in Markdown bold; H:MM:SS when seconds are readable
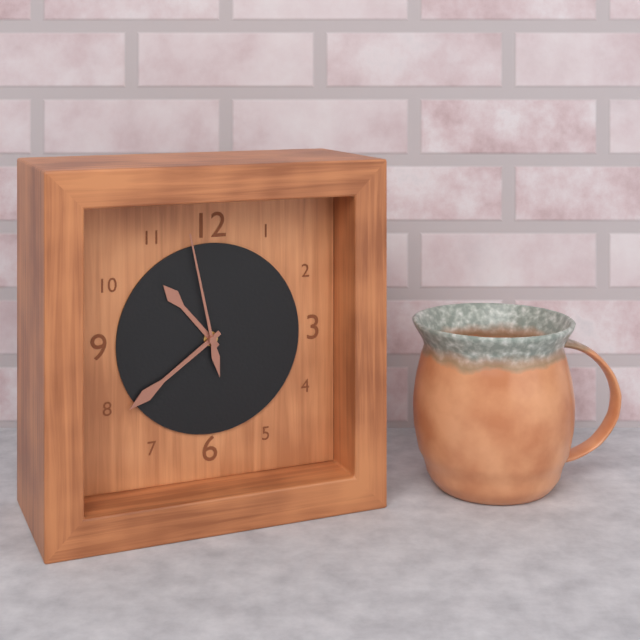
**10:39:58**
